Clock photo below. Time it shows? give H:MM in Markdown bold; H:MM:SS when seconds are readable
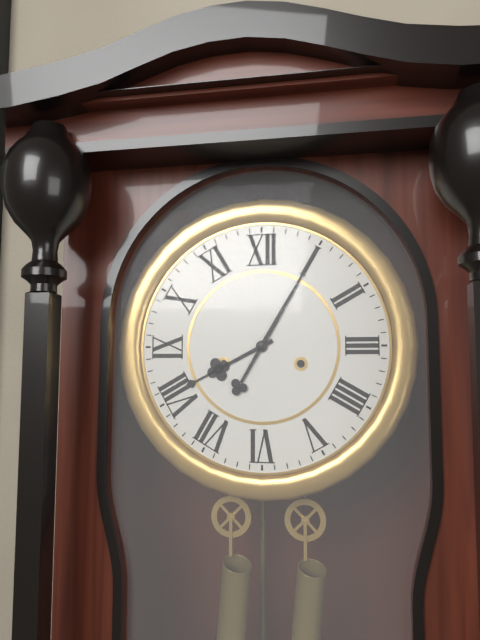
**8:05**
